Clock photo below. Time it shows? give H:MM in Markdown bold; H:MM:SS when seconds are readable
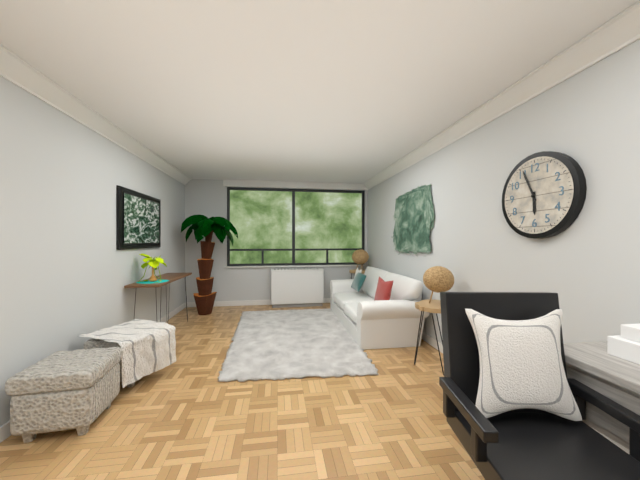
**5:56**
